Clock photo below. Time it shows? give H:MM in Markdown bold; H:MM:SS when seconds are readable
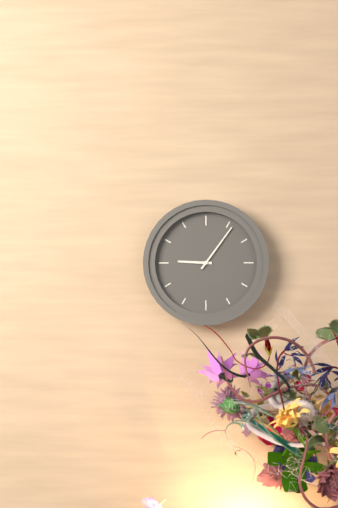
**9:06**
